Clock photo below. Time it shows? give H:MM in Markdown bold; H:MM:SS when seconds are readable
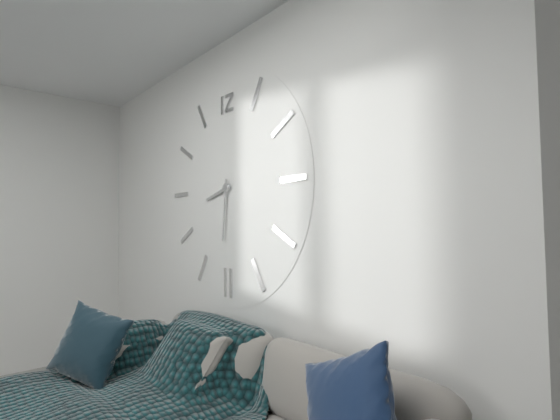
**8:31**
